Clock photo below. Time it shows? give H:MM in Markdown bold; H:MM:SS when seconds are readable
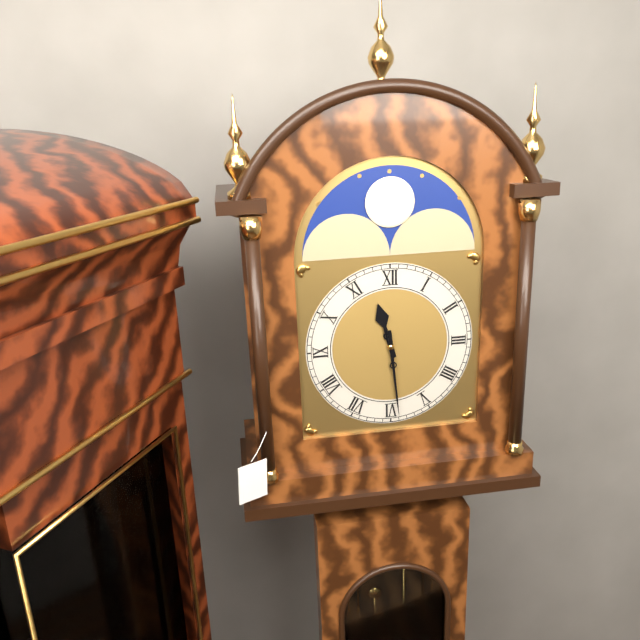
**11:29**
